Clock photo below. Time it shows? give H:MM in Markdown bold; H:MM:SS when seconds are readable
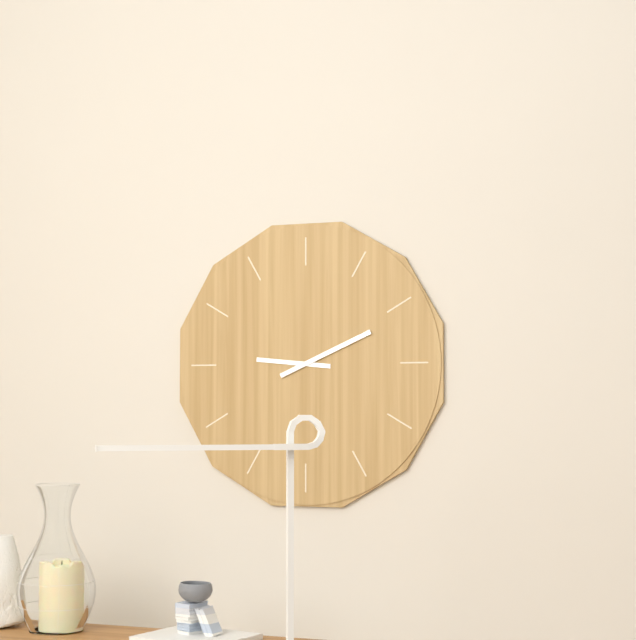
**9:11**
